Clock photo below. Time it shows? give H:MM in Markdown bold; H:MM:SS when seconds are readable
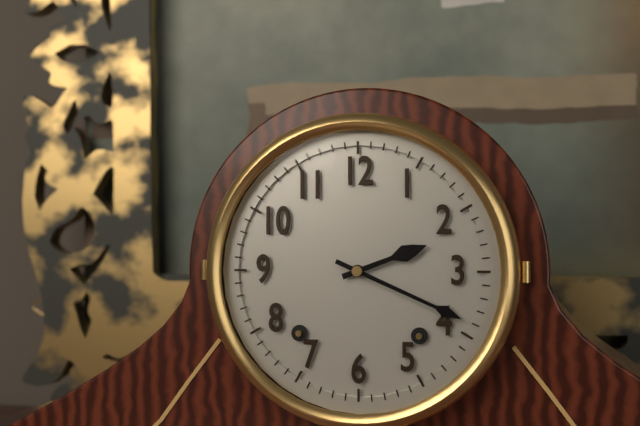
**2:19**
